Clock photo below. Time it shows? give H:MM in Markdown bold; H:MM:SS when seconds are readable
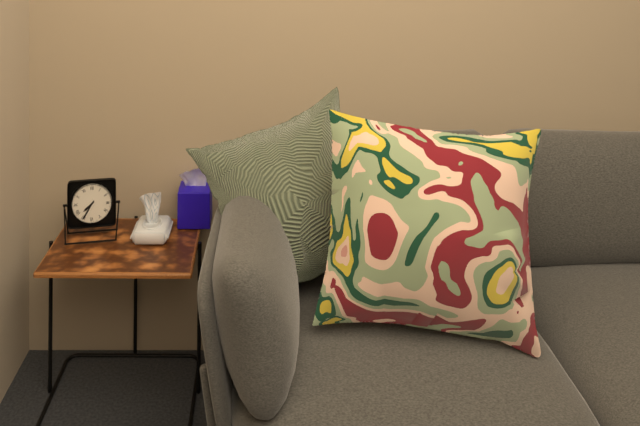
**7:35**
